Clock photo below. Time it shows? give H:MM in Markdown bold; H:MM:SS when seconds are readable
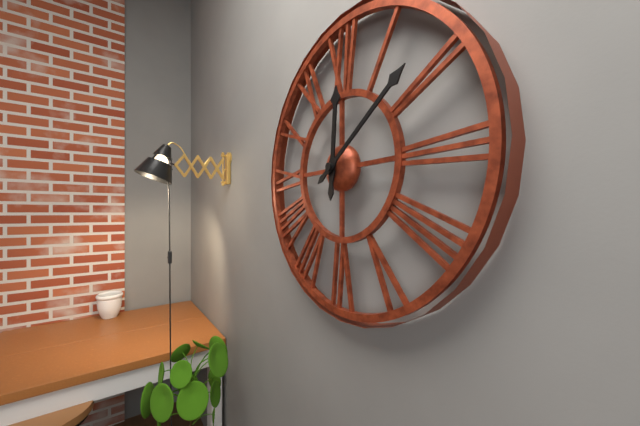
**12:09**
